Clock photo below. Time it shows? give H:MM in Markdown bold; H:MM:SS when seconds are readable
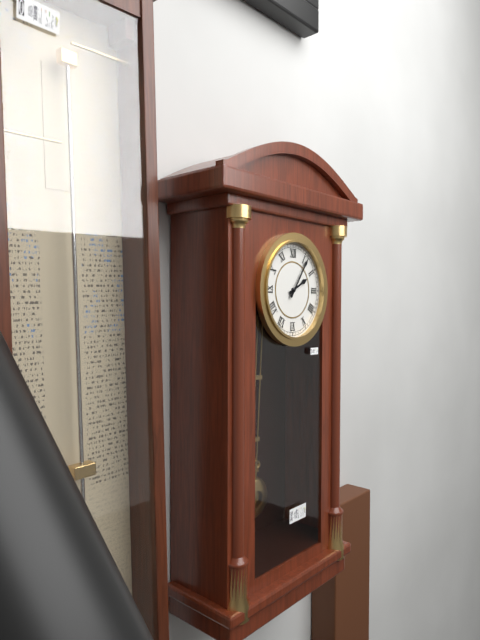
**2:06**
